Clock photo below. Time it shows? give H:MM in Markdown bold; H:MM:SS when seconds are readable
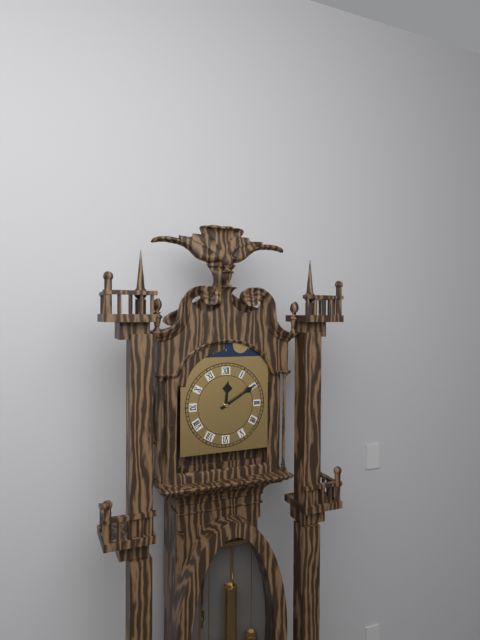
**12:10**
